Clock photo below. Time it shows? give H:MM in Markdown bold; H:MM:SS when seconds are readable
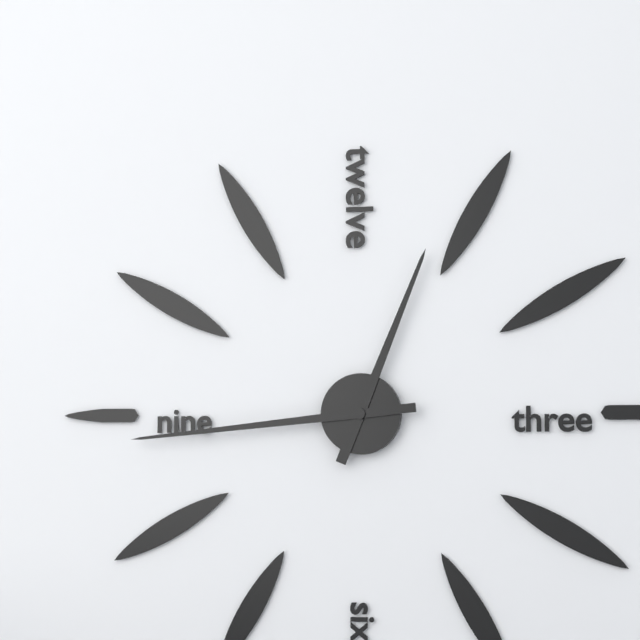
**12:44**
